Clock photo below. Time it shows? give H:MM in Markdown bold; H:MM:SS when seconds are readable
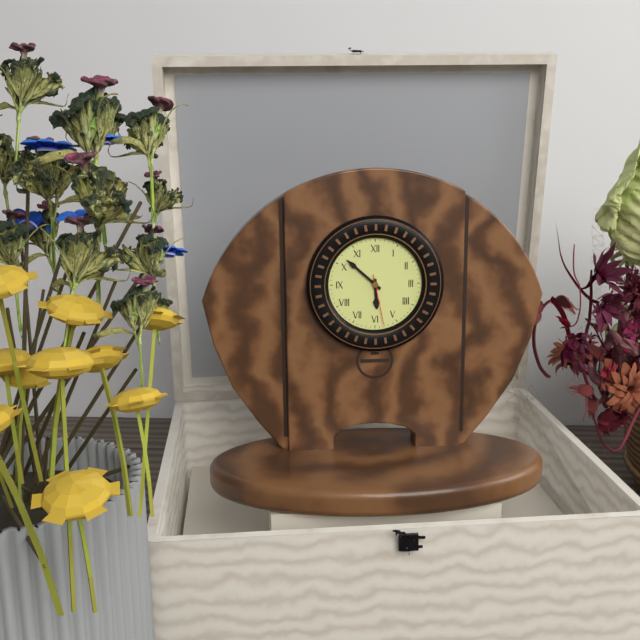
**5:52:28**
